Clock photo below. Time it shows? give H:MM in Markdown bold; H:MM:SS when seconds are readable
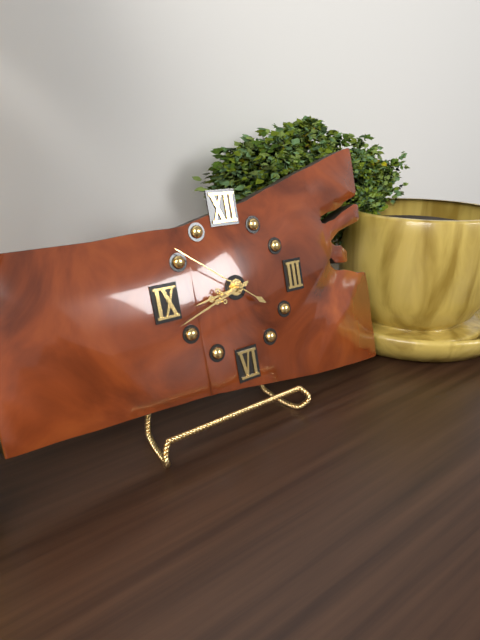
**8:42:51**
